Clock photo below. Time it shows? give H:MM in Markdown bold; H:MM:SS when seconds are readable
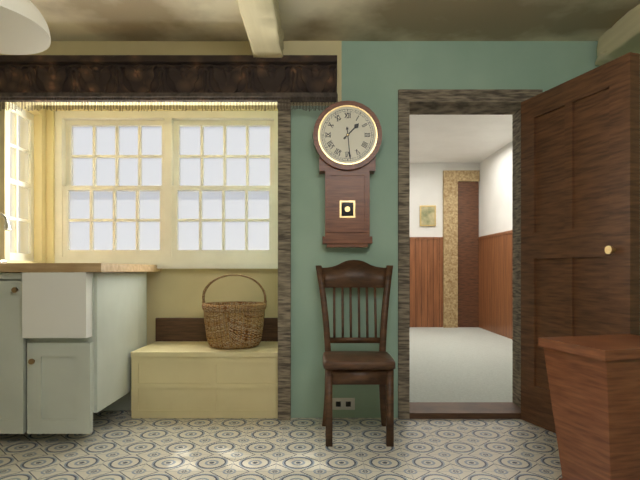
**1:29**
